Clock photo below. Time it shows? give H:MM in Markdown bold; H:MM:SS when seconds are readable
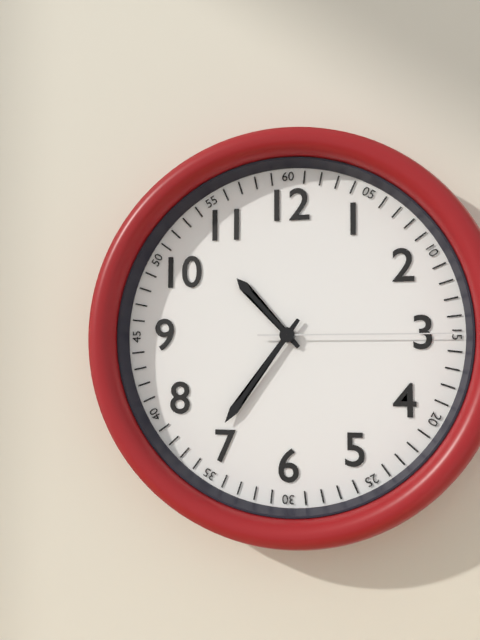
**10:36:15**
